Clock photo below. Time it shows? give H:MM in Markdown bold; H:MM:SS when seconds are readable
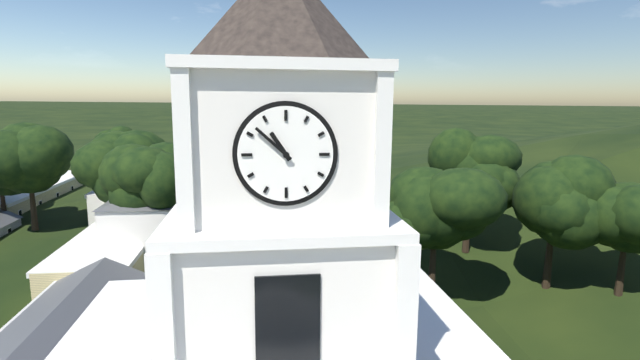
**10:52**
